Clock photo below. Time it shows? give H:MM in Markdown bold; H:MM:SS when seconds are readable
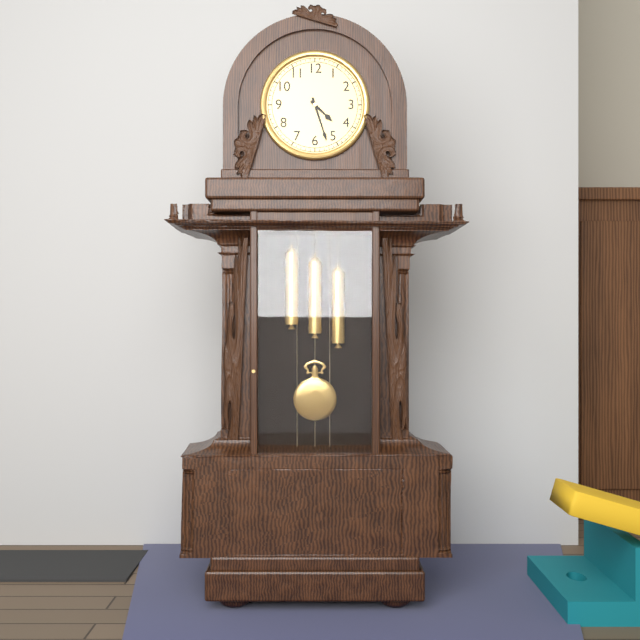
**4:27**
